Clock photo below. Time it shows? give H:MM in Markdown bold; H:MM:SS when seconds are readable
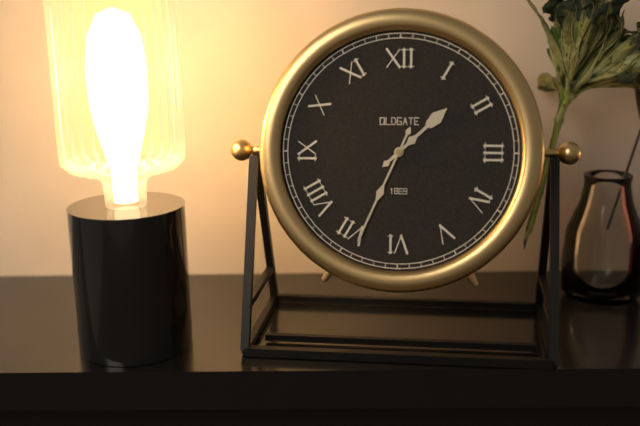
**1:34**
